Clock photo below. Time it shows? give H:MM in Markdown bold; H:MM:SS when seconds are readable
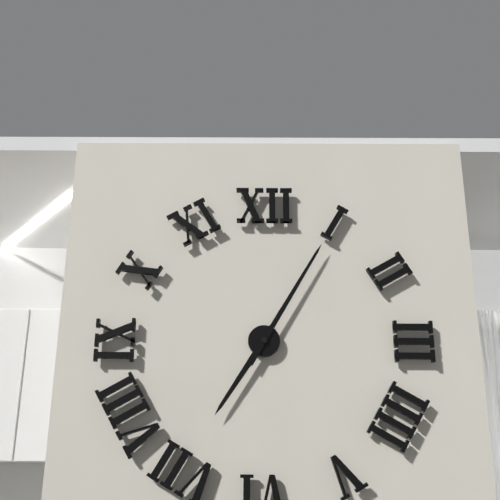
**7:05**
